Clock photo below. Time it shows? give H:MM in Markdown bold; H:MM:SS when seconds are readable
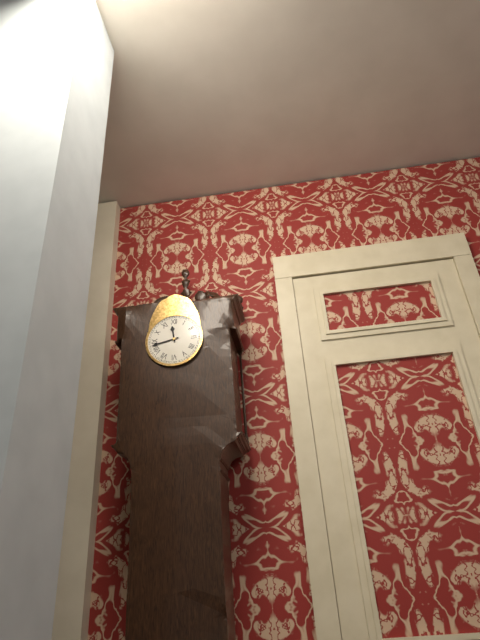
**11:43**
